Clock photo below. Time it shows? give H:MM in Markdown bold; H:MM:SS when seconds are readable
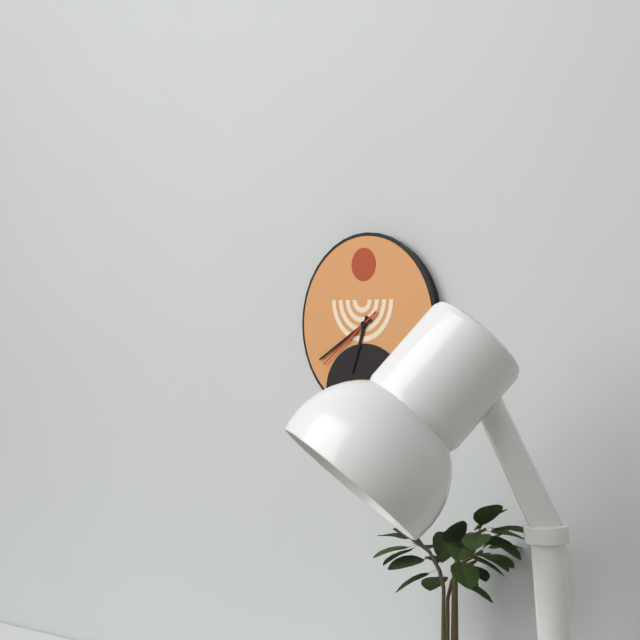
**6:40:39**
